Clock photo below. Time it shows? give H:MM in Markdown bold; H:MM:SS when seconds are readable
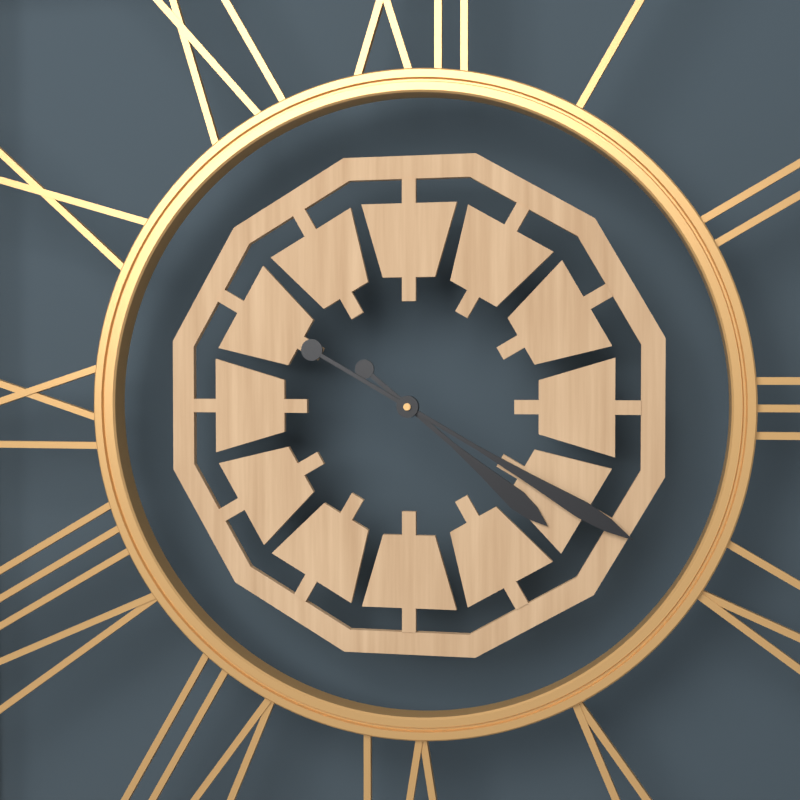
**4:20**
